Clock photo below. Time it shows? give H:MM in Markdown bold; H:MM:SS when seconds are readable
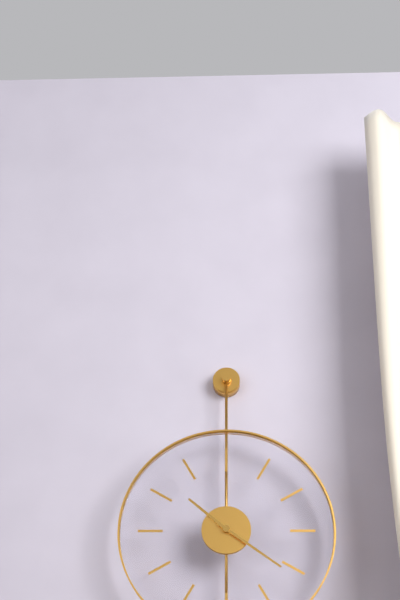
**10:21**
